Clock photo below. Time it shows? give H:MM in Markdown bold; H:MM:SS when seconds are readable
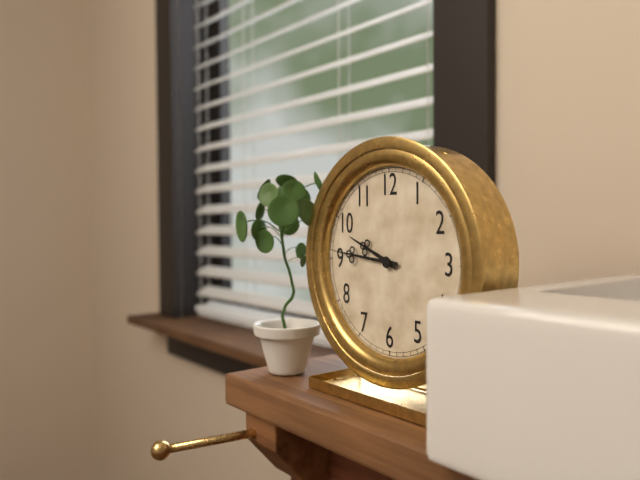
**9:46**
